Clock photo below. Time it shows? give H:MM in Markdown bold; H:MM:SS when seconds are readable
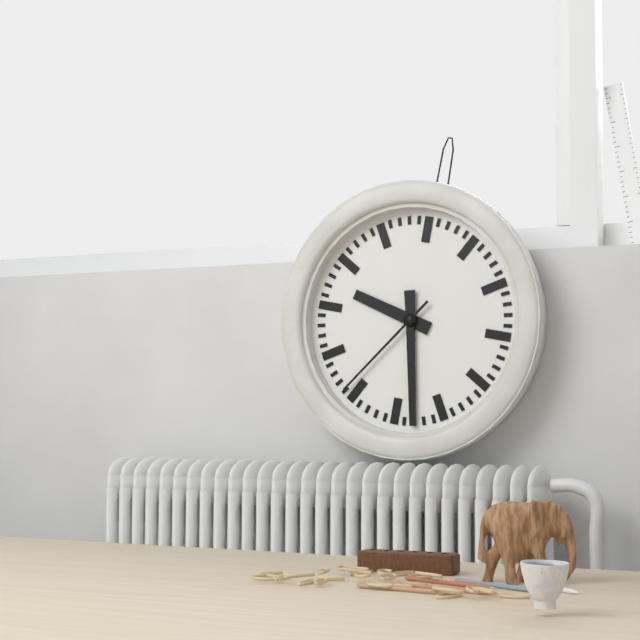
**9:28:36**
